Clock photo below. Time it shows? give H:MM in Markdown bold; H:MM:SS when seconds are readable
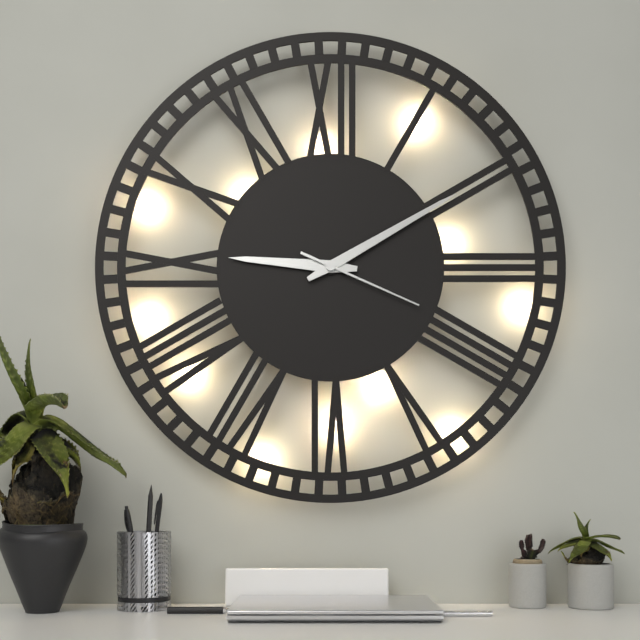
**9:10:19**
